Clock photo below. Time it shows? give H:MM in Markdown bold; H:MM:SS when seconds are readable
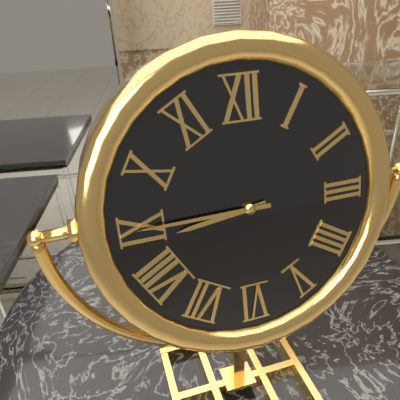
**8:45**
